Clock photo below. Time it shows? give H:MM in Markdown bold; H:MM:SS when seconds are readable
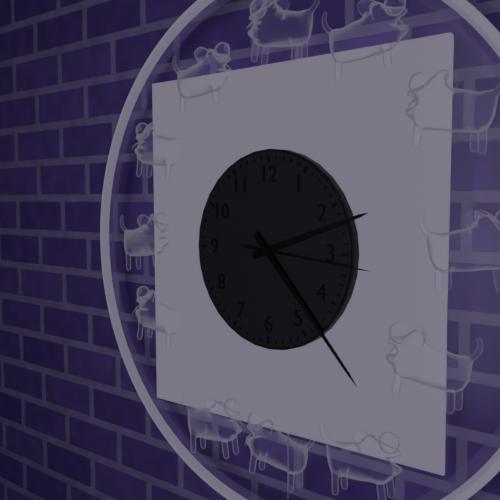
**2:23:16**
